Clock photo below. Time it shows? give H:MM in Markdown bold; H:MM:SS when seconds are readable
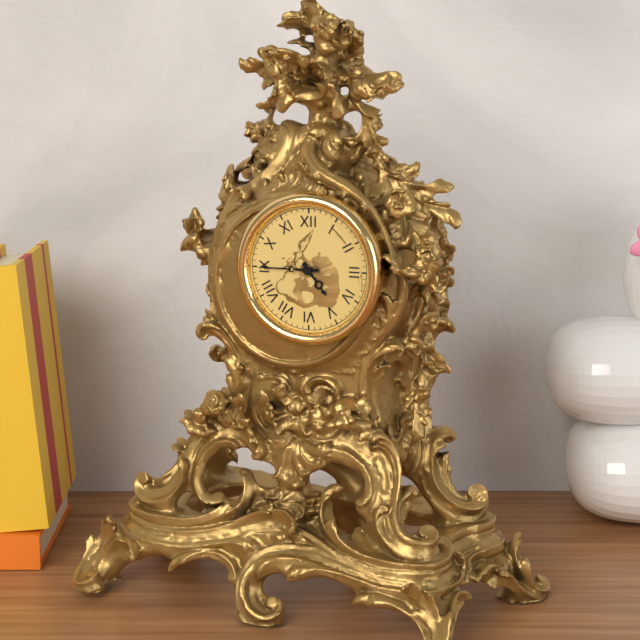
**4:45**
